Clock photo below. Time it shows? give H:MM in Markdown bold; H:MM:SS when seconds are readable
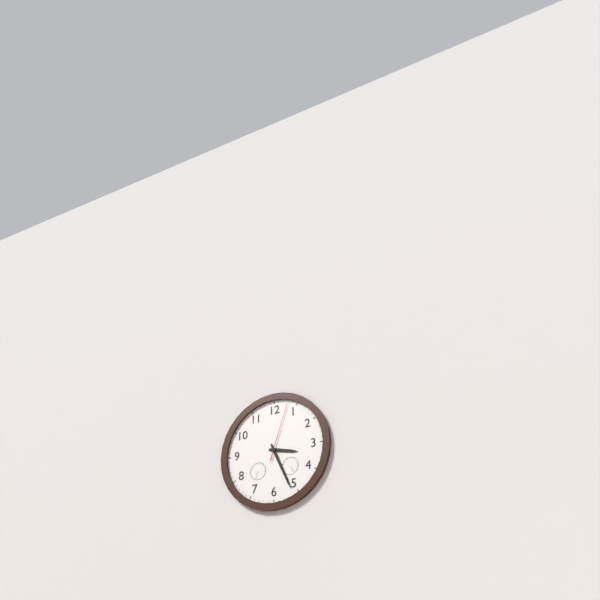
**3:26:03**
